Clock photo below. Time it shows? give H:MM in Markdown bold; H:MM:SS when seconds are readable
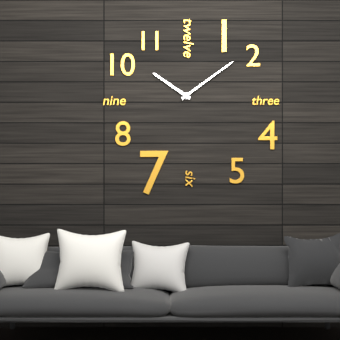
**10:09**
